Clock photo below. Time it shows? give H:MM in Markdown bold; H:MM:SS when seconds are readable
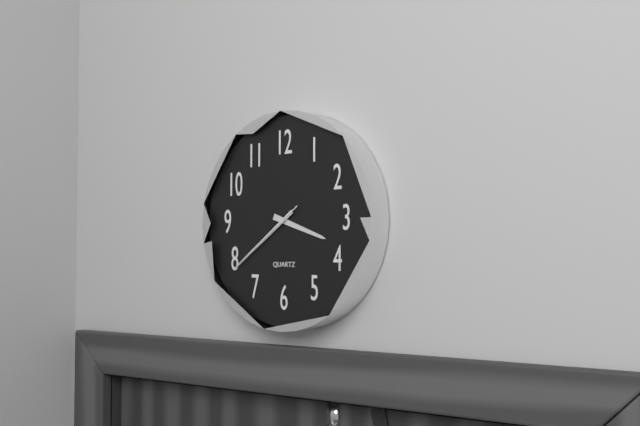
**3:39:39**
